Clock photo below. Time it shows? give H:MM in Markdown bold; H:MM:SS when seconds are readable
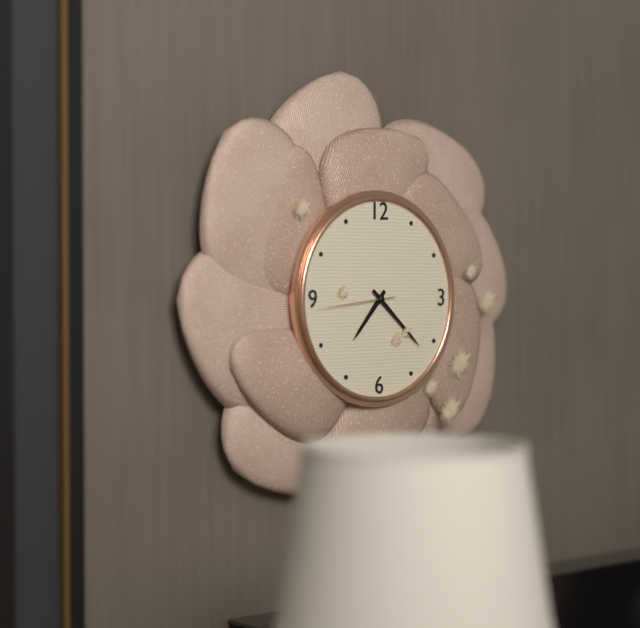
**7:22:44**
